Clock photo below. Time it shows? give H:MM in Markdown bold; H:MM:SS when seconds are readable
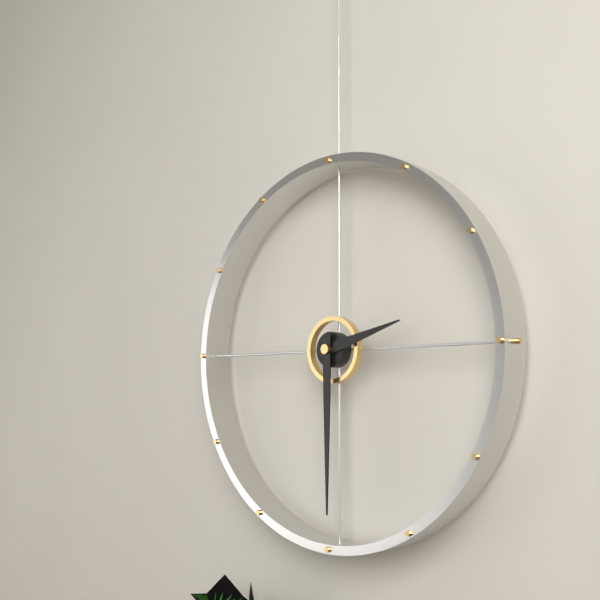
**2:30**
